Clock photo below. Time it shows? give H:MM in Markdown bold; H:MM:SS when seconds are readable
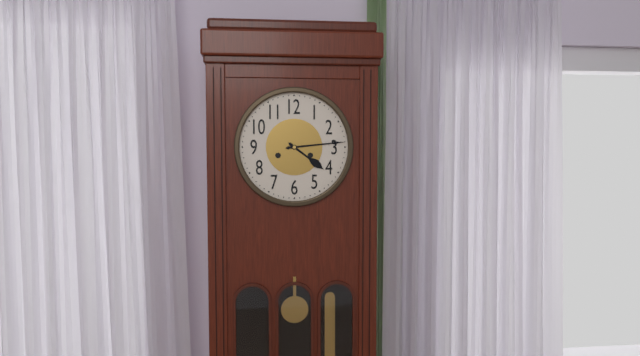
**4:14**
